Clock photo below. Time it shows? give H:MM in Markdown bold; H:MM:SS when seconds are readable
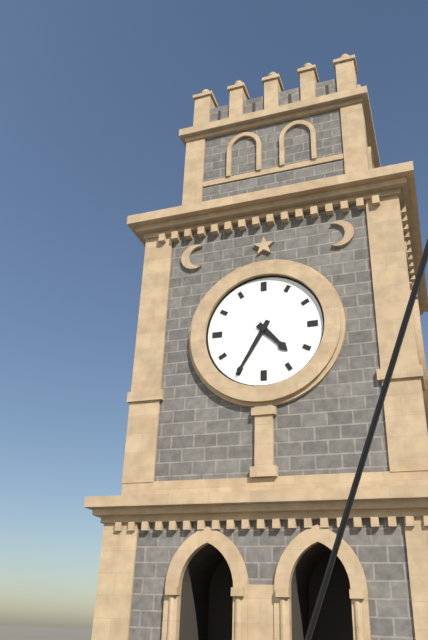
**4:35**
